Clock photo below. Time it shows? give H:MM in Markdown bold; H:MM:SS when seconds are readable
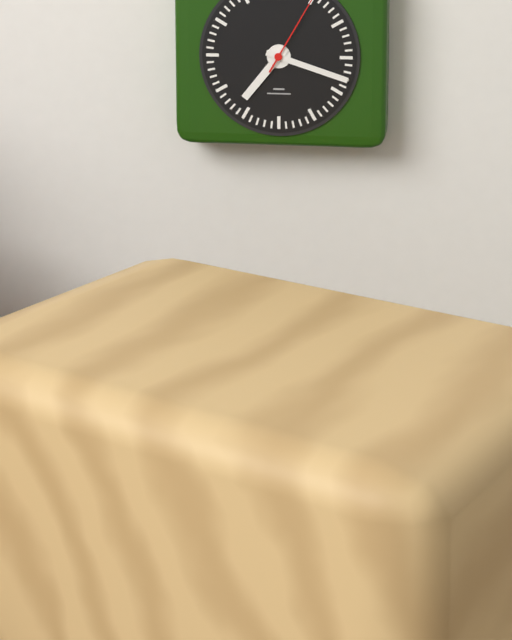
**7:18**
